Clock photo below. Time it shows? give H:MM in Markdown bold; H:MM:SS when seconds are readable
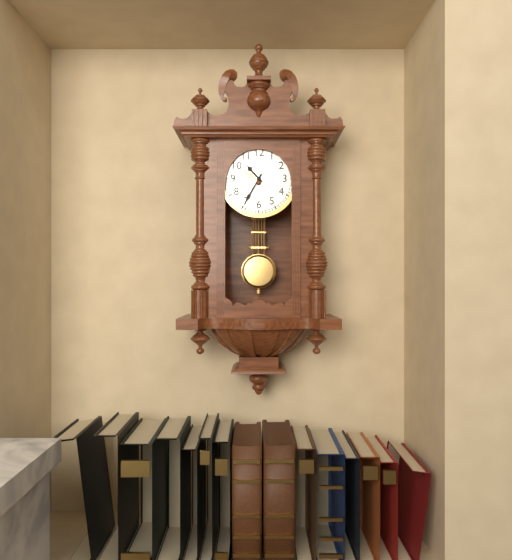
**10:35**
